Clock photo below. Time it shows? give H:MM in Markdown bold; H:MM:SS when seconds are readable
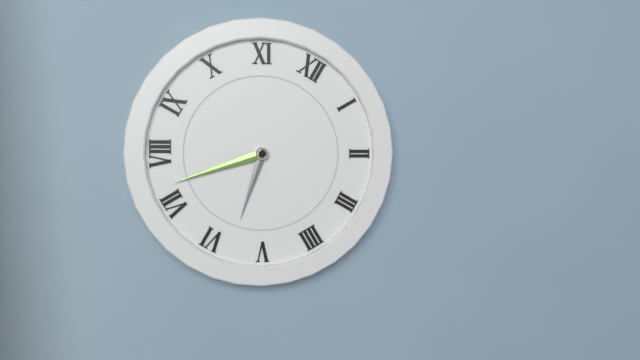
**5:37**
